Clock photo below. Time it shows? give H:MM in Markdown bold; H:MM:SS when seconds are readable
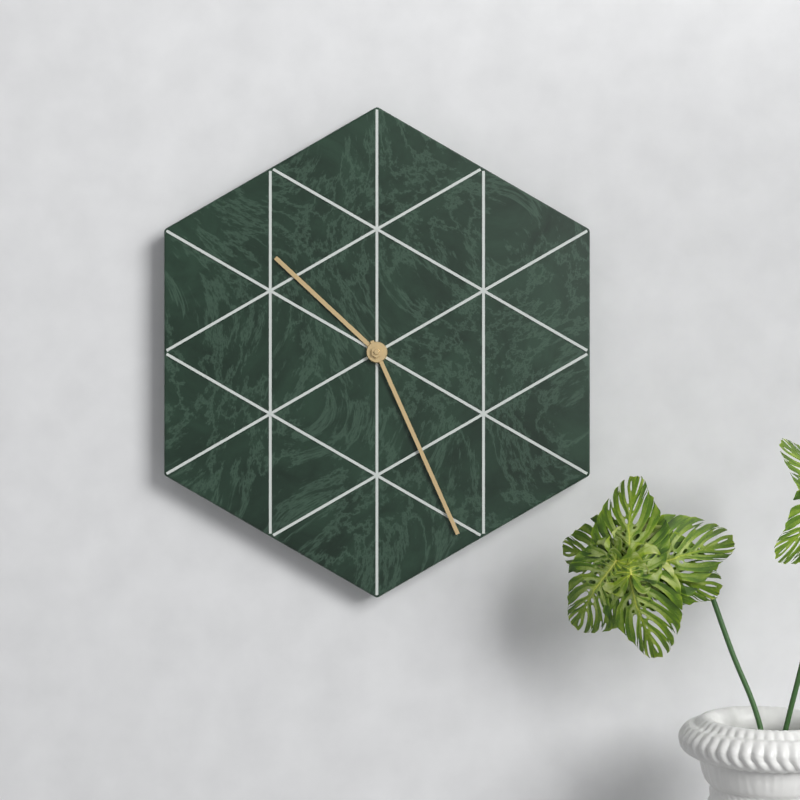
**10:26**
